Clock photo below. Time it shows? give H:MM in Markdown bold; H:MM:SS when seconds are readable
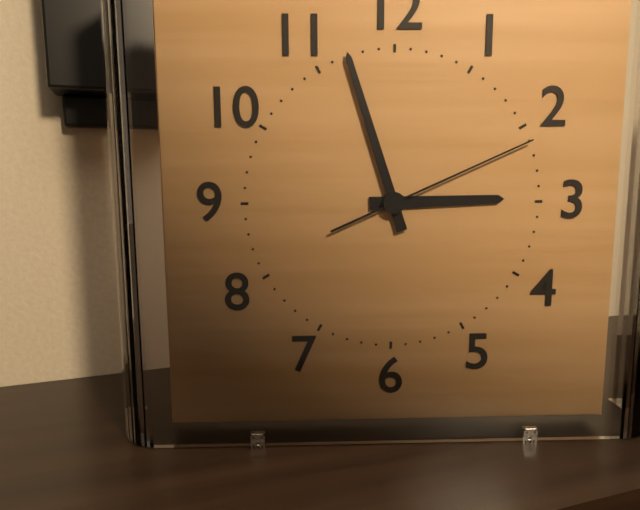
**2:57:11**
